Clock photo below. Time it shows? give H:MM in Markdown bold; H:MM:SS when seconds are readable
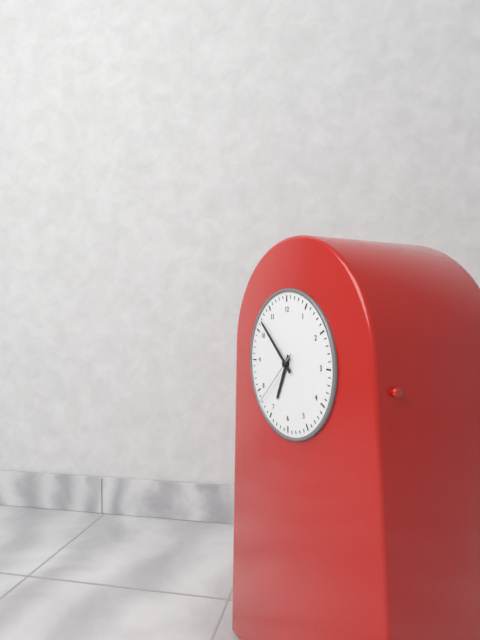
**6:52:38**
